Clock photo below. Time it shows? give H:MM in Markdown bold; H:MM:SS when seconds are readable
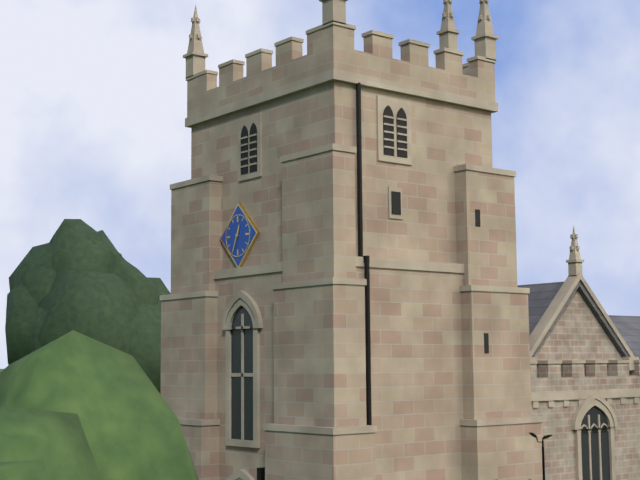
**12:34**
